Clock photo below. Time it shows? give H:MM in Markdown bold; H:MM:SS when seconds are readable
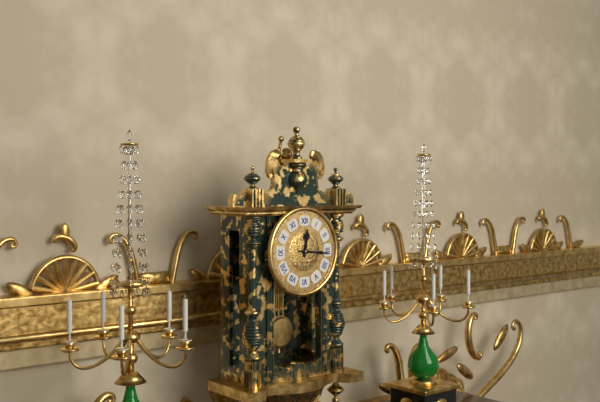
**12:16**
